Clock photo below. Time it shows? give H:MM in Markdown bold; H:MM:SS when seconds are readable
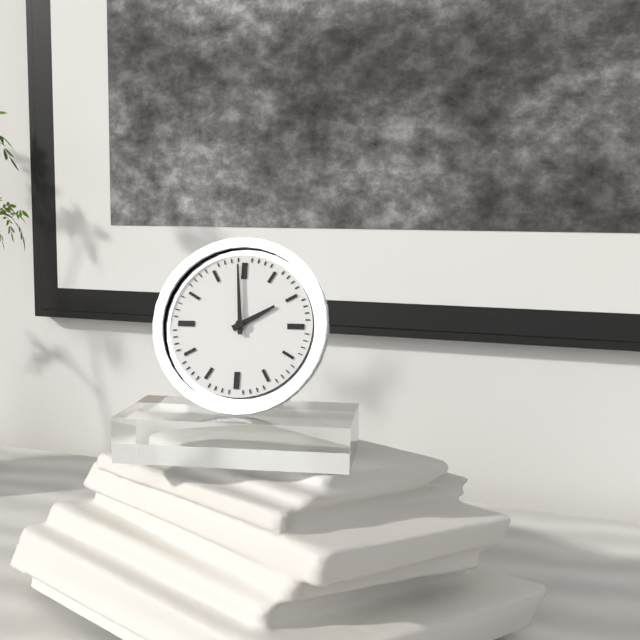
**1:59**
